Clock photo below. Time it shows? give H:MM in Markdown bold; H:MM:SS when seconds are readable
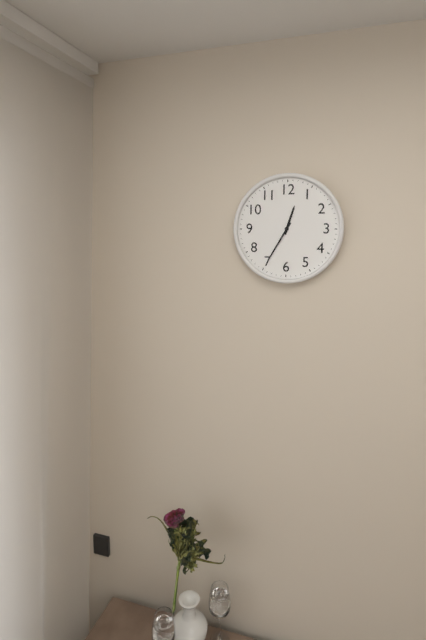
**12:35**
